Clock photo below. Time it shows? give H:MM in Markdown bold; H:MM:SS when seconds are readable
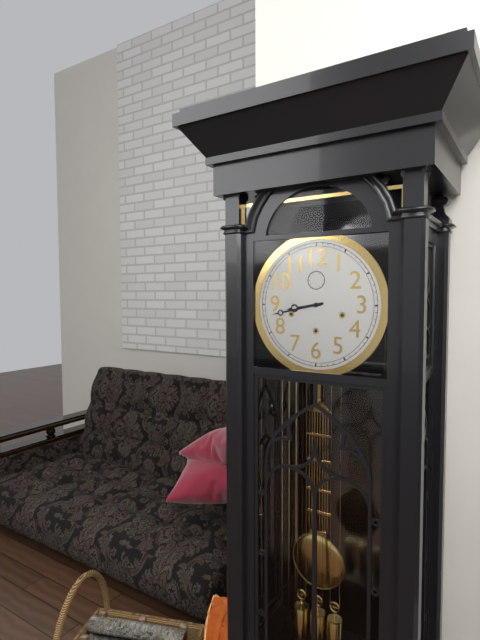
**8:43**
